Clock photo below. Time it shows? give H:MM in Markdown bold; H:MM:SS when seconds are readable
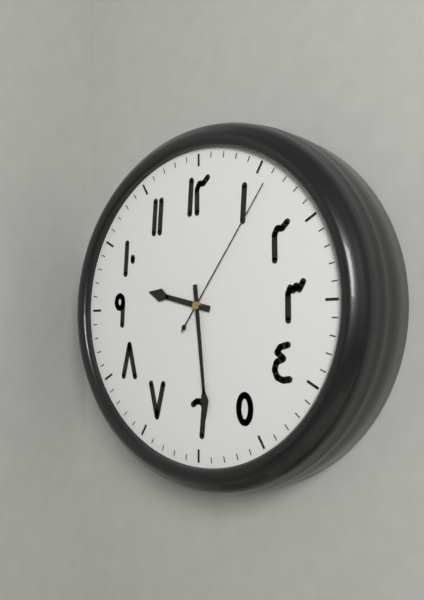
**9:29:06**
